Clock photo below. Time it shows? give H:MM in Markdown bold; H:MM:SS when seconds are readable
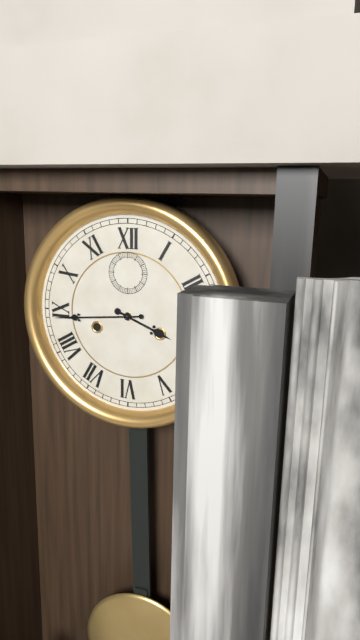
**3:44**
